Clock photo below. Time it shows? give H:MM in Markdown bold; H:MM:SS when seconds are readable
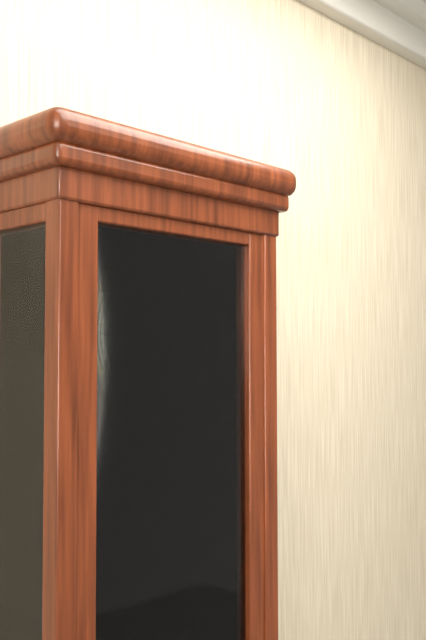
**6:55**
